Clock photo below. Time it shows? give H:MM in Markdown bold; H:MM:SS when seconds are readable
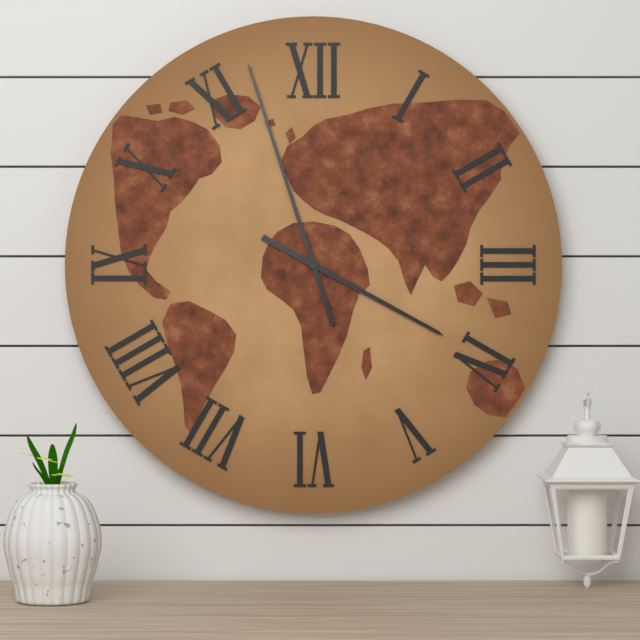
**3:57**
